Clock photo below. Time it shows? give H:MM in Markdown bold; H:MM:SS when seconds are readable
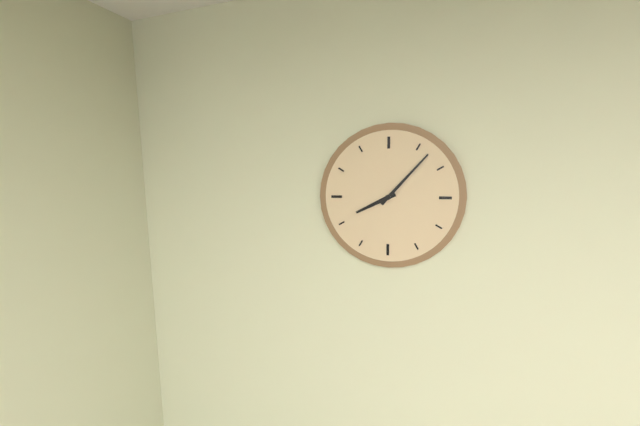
**8:07**
